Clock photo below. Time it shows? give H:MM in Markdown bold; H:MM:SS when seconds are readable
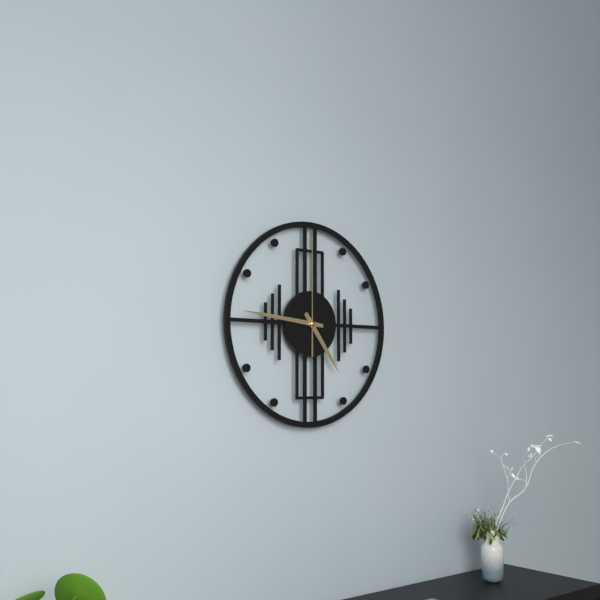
**4:46:00**
